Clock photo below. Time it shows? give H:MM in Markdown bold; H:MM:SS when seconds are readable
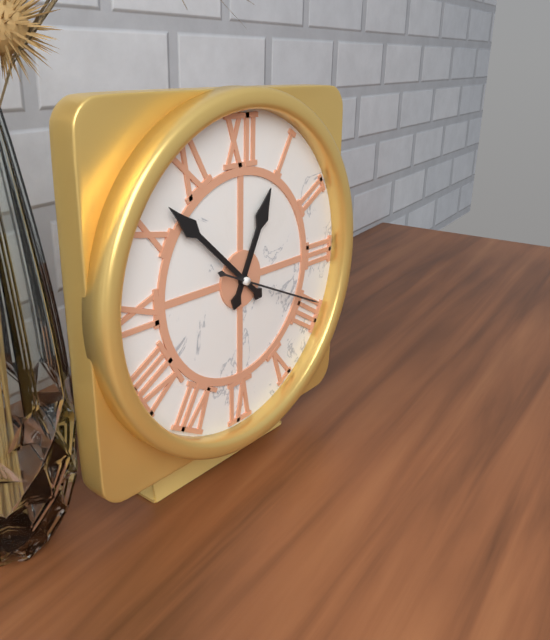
**12:52:19**
